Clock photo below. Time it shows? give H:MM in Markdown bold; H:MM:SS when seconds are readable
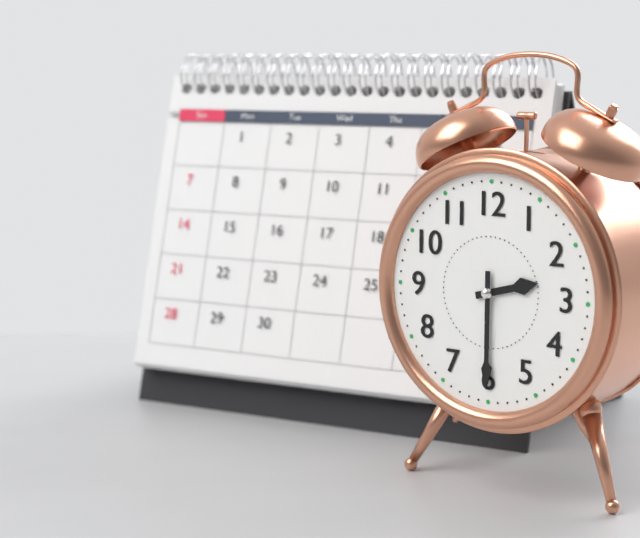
**2:30**
